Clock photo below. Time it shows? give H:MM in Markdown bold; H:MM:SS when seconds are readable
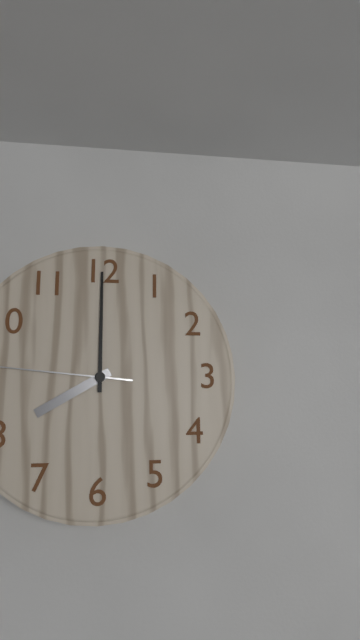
**8:00**
